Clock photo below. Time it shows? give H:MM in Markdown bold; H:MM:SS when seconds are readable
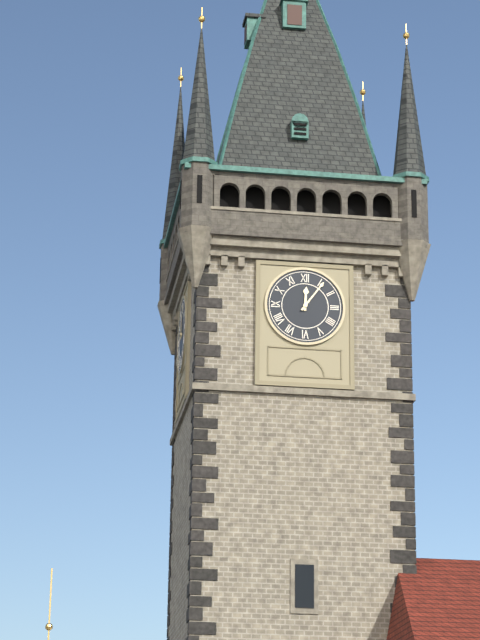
**12:06**
